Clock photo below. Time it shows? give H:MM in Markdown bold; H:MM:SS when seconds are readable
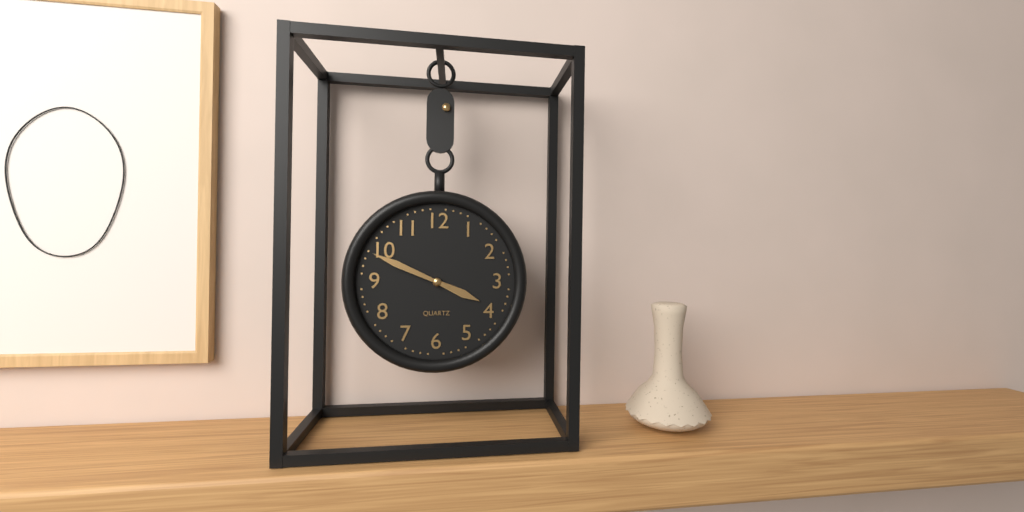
**3:49**
